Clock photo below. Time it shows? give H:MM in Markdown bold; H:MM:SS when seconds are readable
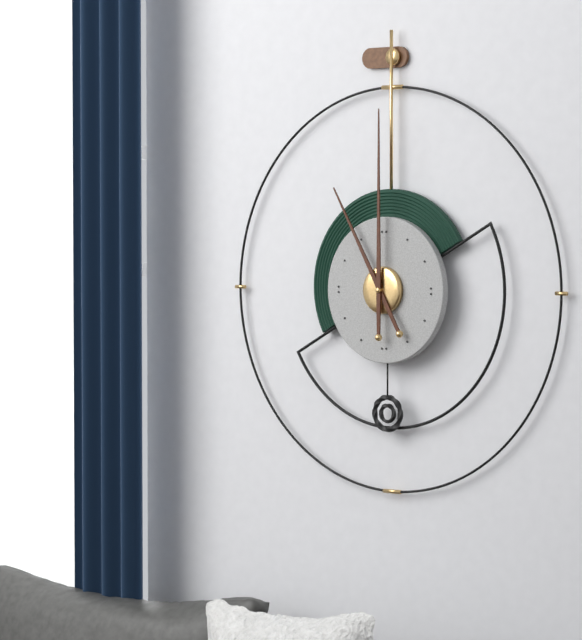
**11:00**
